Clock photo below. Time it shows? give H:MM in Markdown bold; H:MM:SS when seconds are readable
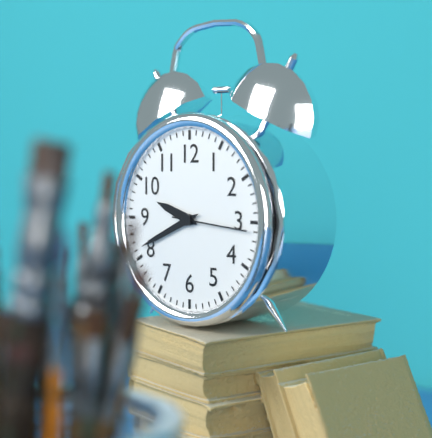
**9:41:16**
